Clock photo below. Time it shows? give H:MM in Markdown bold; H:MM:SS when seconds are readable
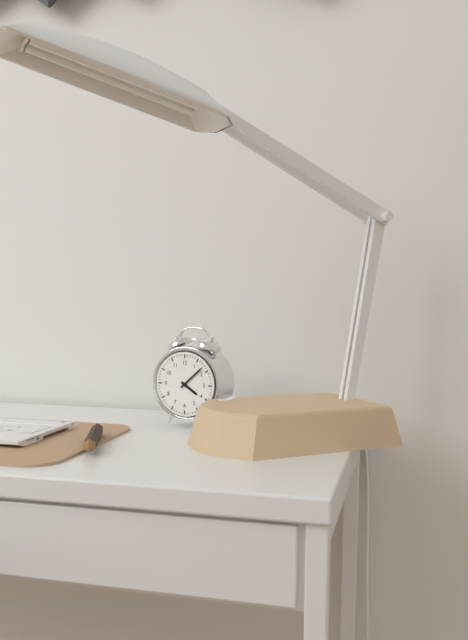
**4:08**
